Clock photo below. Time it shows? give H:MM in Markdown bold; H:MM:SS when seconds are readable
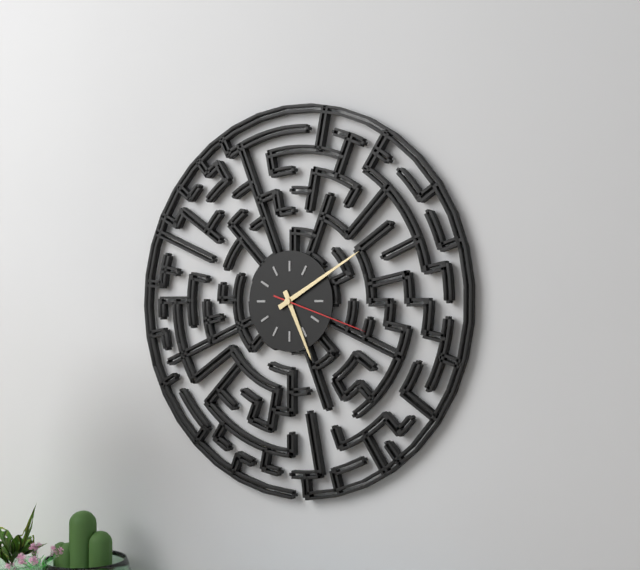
**5:10:18**
